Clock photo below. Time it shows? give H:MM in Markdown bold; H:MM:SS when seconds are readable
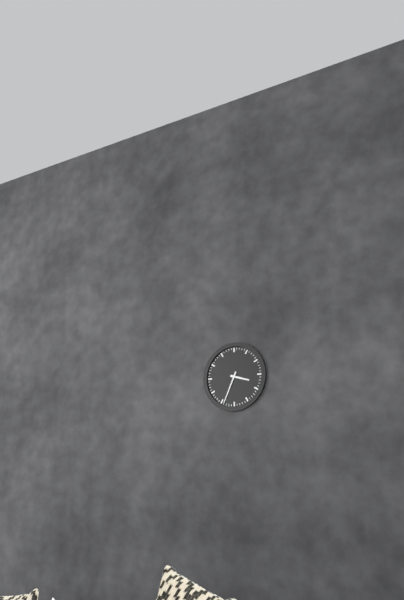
**3:34**
